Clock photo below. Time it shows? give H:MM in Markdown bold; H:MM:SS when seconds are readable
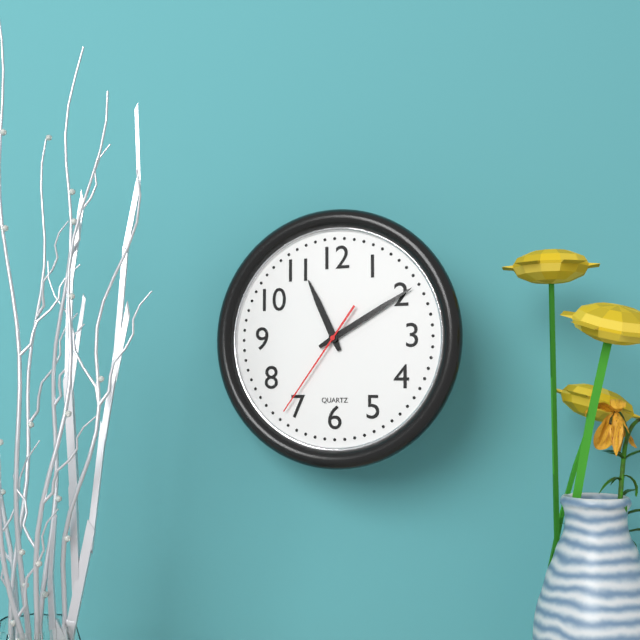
**11:10:36**
